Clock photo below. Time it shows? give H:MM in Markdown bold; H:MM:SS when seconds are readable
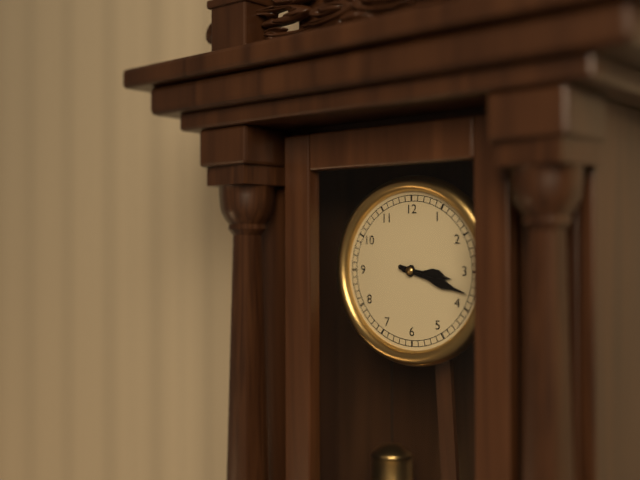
**3:18**
